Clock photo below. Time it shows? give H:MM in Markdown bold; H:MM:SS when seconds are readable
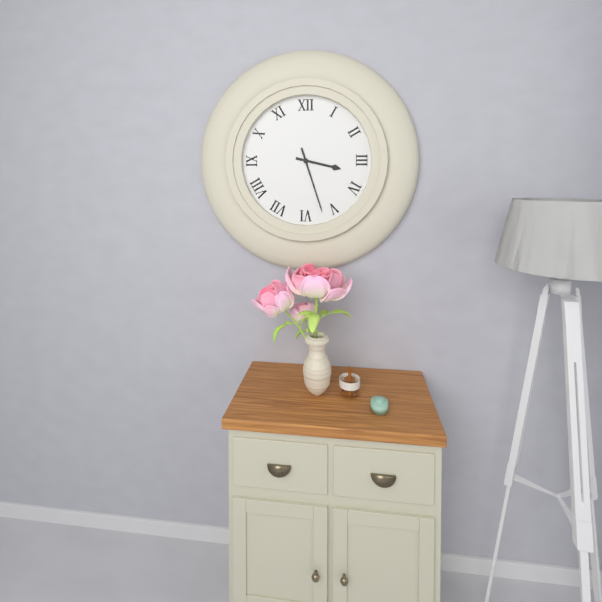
**3:27**
